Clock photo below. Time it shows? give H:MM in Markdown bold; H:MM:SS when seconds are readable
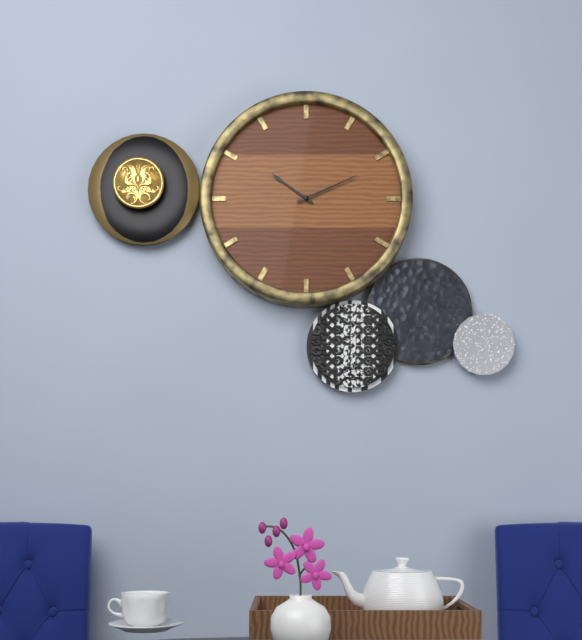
**10:11**
